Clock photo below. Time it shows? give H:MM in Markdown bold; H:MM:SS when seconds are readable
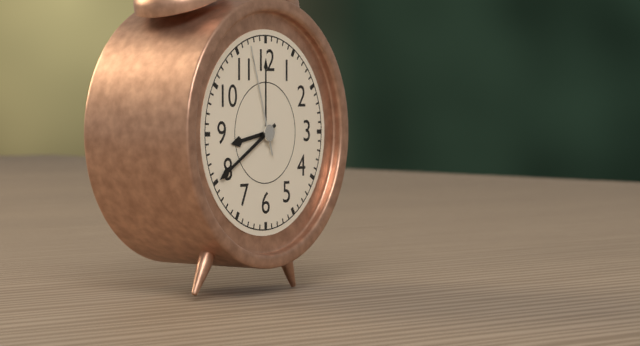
**8:40:57**
